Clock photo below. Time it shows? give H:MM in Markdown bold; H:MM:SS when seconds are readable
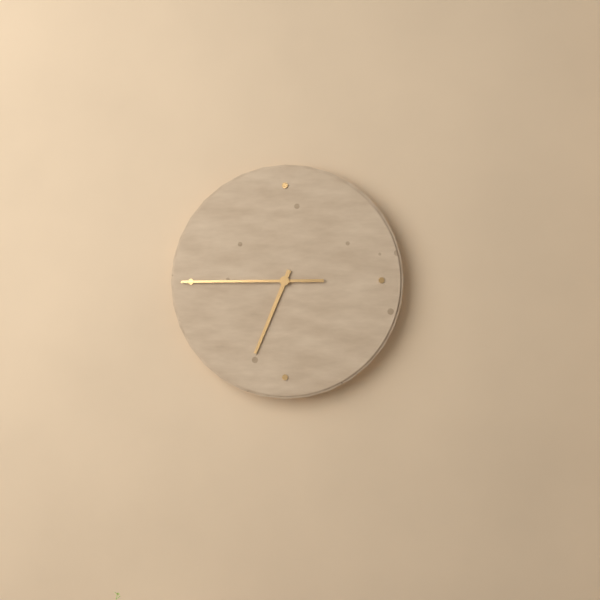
**6:45**
